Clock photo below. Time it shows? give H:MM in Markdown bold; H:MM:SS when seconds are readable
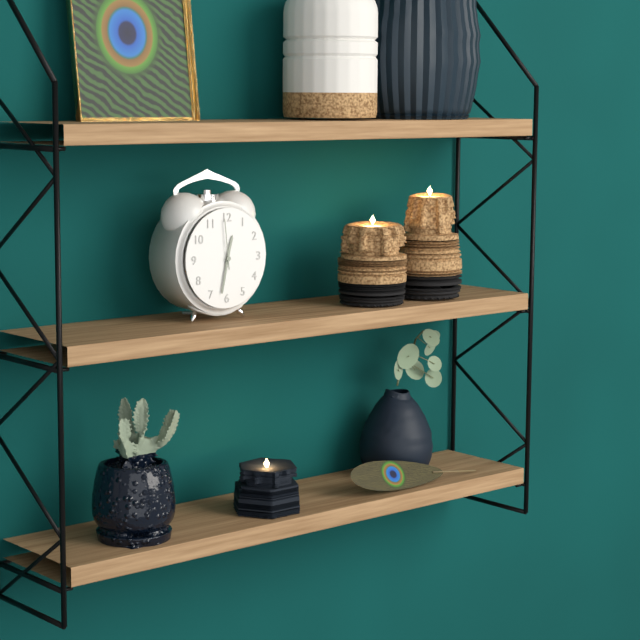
**12:32**
